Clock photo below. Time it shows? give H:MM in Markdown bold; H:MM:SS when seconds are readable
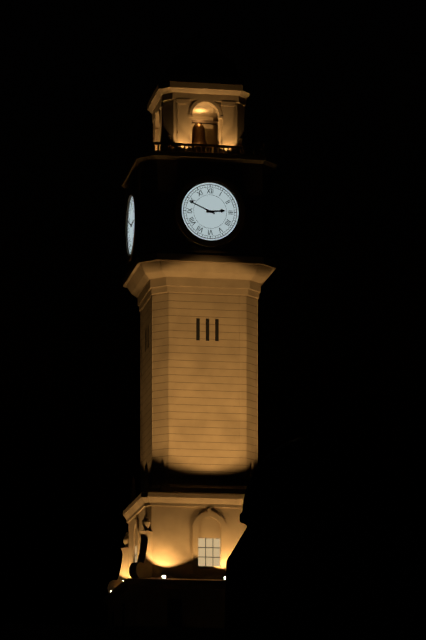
**2:49**
